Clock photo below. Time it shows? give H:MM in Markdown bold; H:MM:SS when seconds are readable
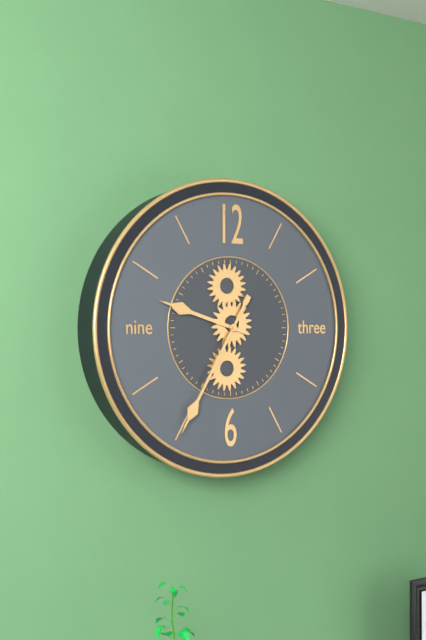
**9:35**
